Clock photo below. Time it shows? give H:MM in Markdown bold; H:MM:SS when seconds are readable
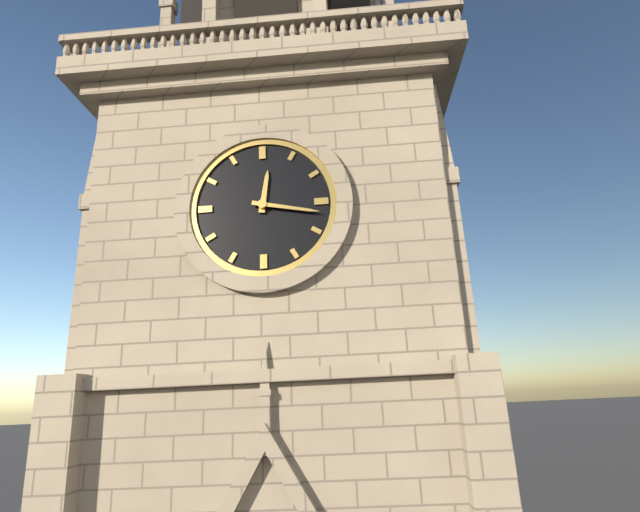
**12:17**
